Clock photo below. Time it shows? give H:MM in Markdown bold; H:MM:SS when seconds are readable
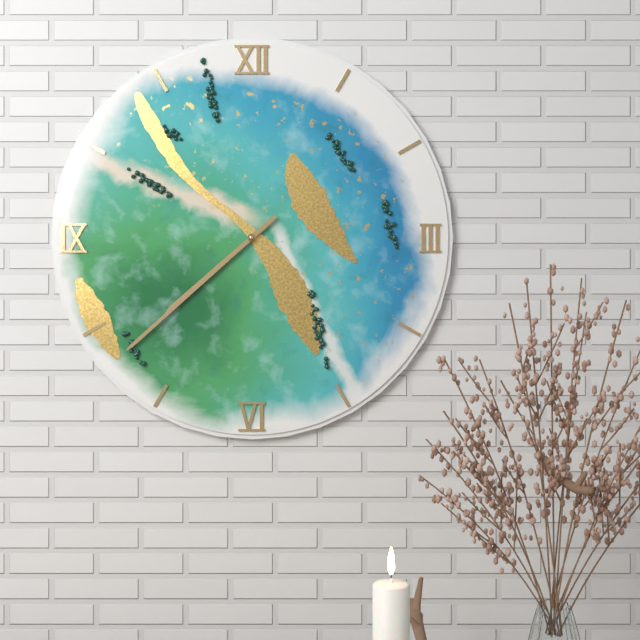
**7:38**
